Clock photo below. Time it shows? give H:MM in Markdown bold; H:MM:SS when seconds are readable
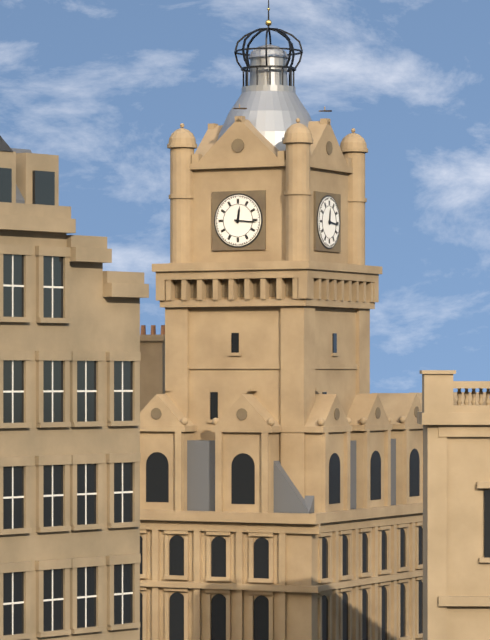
**12:16**
